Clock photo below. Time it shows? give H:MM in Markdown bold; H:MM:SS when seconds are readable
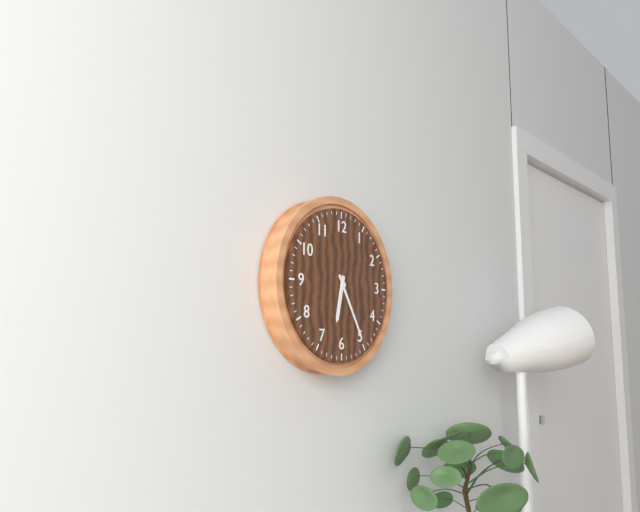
**6:25**
